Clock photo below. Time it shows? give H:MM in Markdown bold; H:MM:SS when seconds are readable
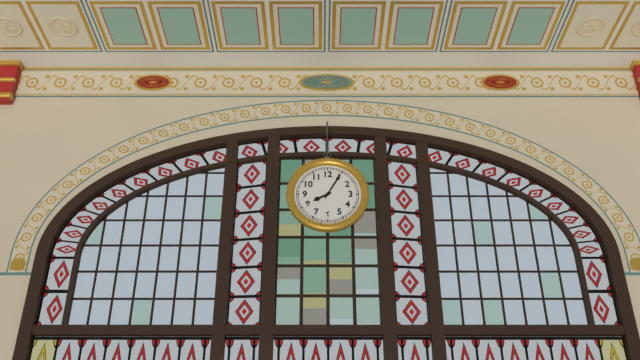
**8:05**
